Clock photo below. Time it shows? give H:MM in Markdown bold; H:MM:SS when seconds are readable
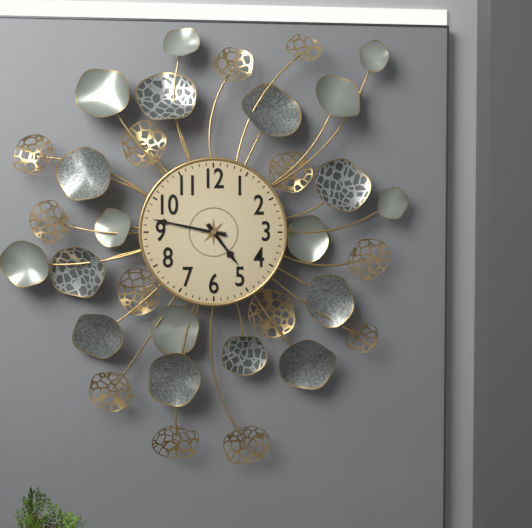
**4:47**
